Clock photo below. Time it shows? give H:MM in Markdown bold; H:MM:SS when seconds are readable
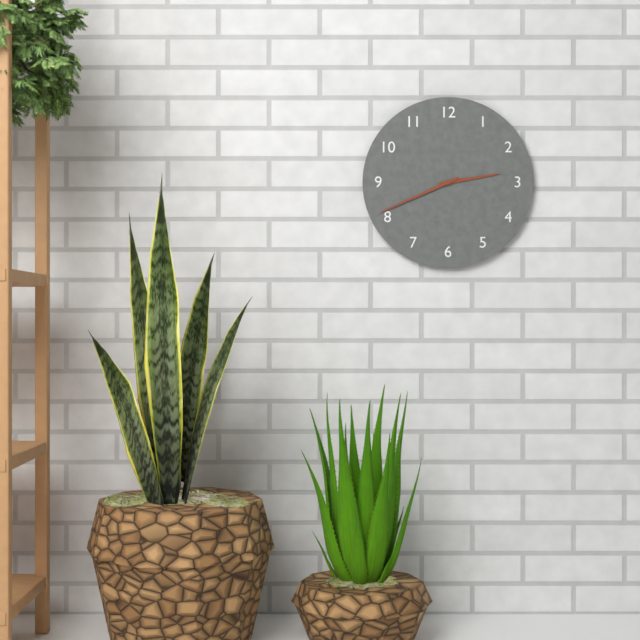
**2:41**
